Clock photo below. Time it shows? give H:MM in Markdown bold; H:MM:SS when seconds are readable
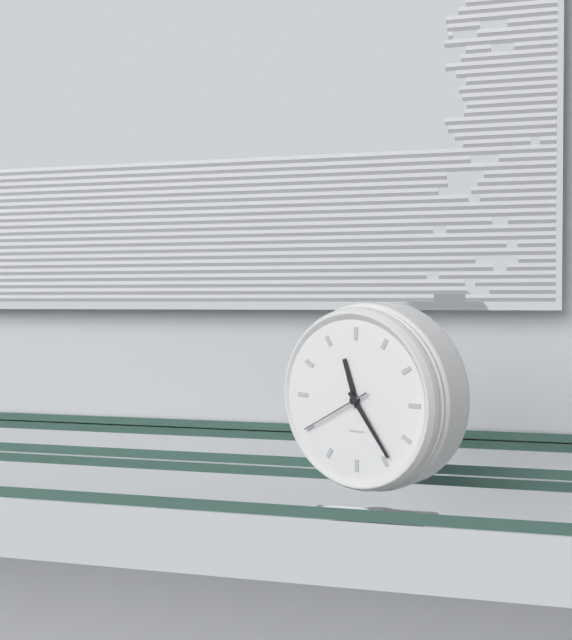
**11:24:40**
